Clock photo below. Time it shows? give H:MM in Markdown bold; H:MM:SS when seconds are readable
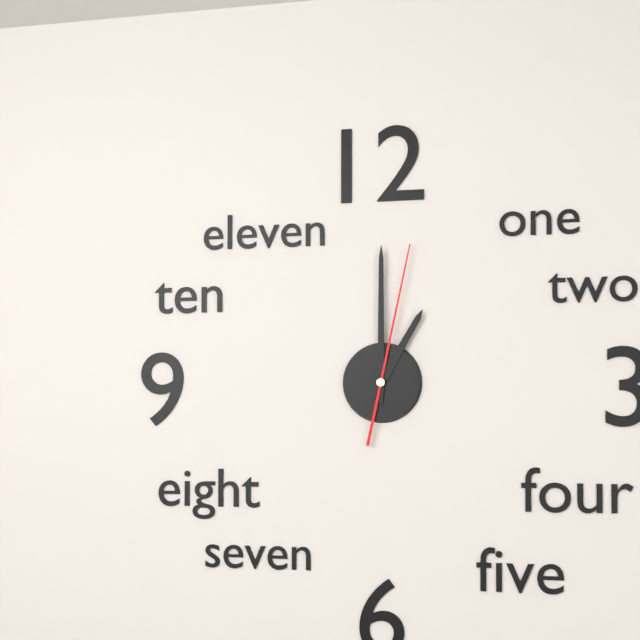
**1:00:02**
